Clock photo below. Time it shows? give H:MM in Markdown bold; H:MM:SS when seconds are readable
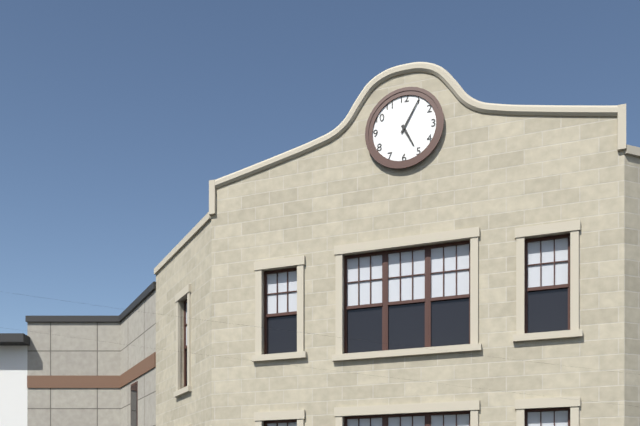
**5:05**
